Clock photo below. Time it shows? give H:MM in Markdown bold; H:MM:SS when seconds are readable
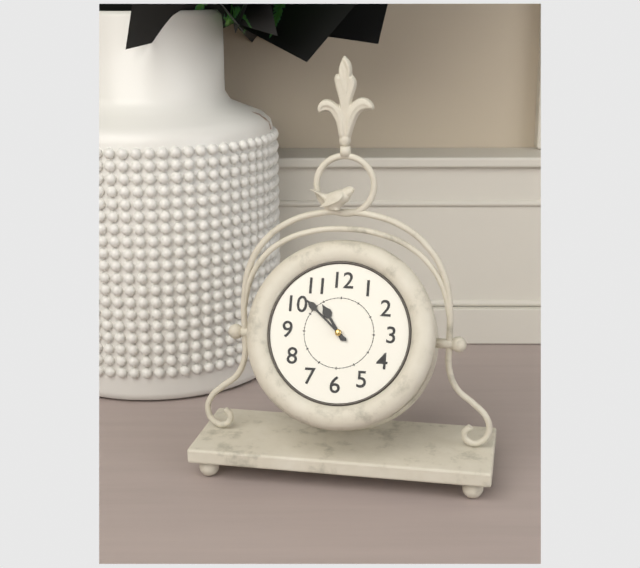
**10:52**
